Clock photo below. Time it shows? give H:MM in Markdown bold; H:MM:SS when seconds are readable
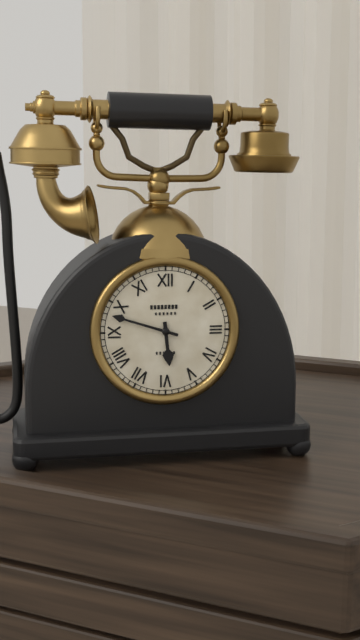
**5:48**
